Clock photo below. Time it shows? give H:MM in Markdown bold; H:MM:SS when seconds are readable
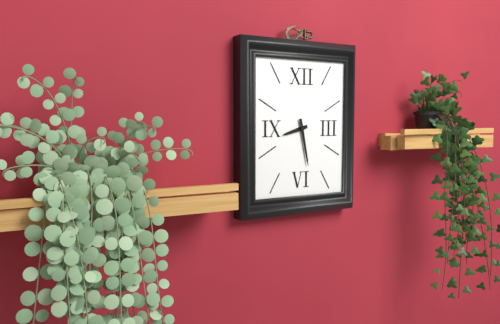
**8:28**
